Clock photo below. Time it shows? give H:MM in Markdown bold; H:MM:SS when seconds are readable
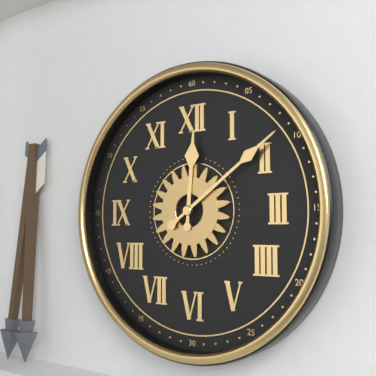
**12:09**
